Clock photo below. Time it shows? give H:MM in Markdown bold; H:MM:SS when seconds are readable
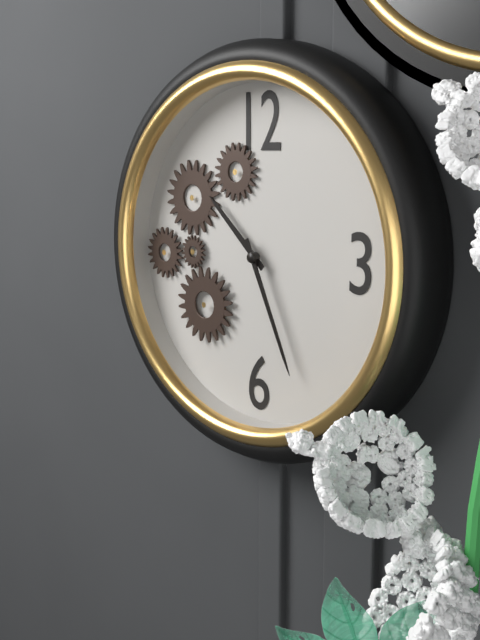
**10:26**
